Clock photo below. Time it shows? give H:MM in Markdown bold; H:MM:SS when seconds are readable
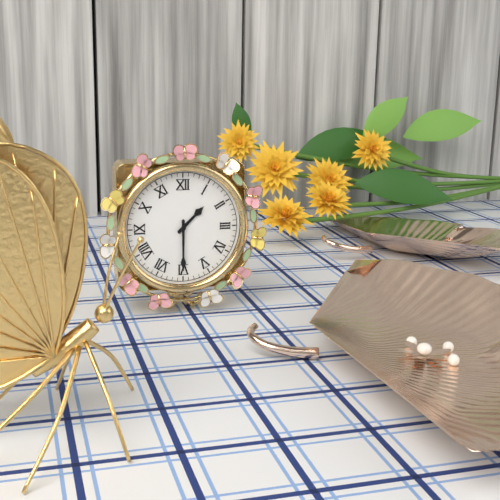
**1:30**
